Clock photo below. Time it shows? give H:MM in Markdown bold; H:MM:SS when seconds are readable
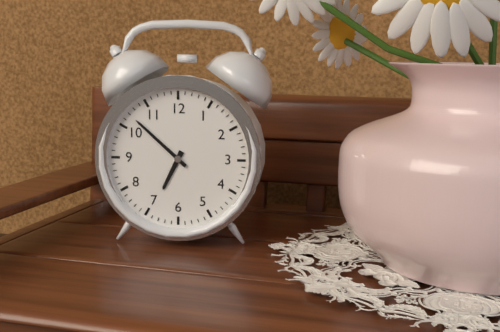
**6:52**
